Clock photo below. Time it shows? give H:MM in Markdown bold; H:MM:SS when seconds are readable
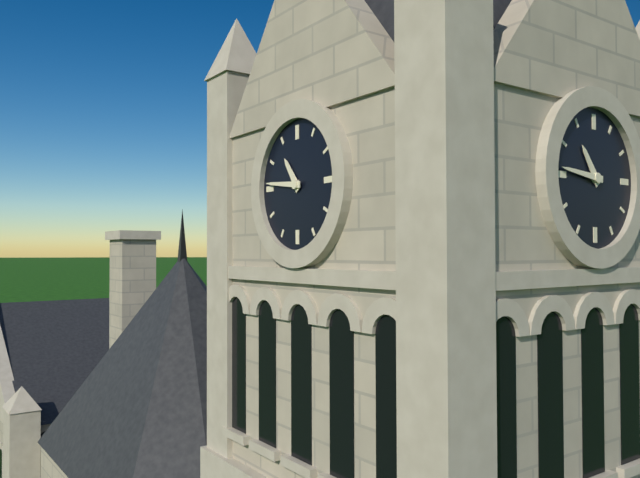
**10:46**
